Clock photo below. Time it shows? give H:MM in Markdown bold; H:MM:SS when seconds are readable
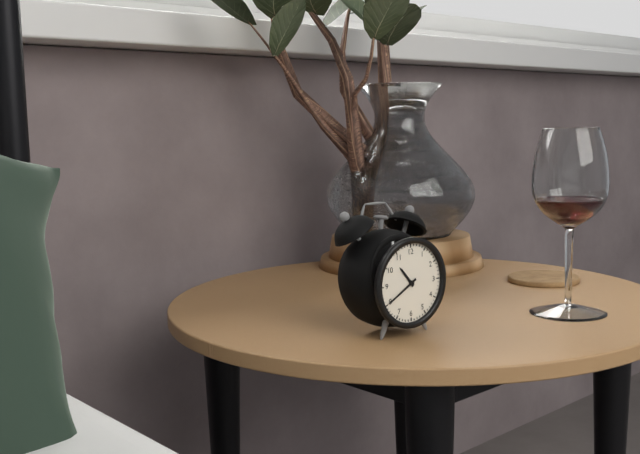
**10:40**
